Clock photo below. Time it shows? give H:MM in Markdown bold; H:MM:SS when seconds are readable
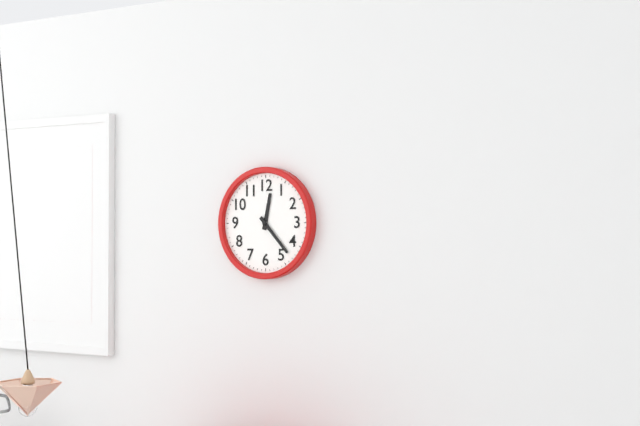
**12:23**
